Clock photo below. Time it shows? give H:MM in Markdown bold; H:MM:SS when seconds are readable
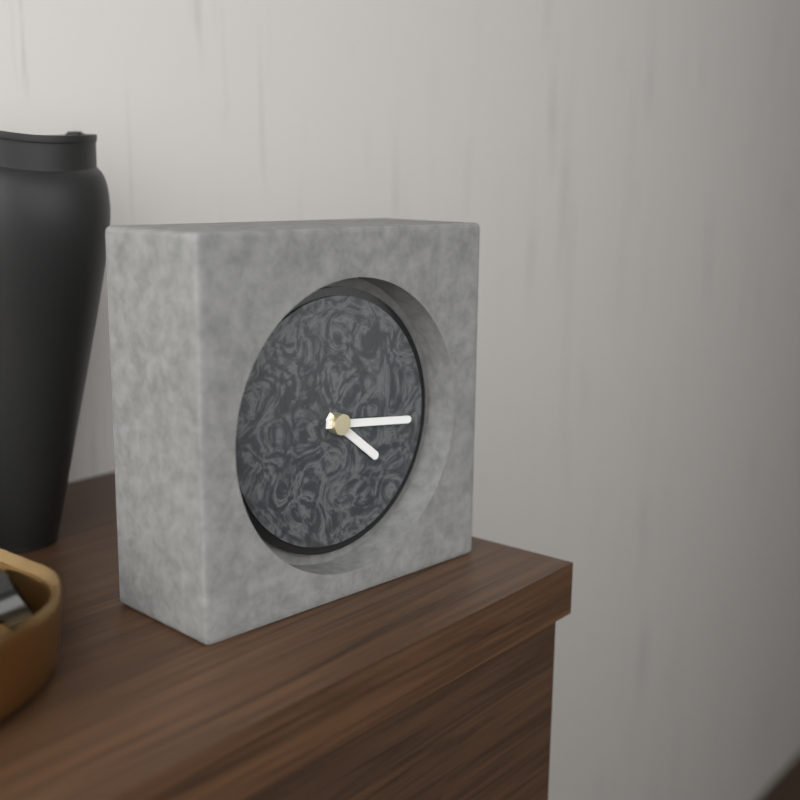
**4:16**
